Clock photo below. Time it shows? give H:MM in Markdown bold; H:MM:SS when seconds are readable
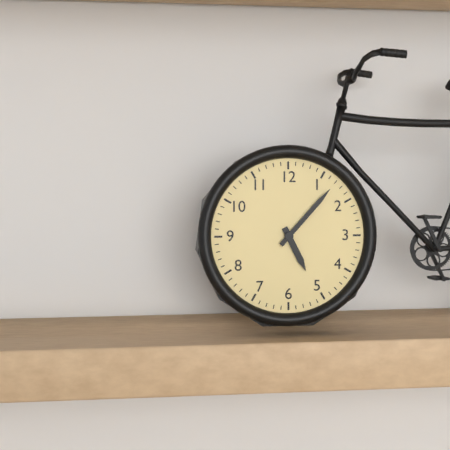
**5:07**
